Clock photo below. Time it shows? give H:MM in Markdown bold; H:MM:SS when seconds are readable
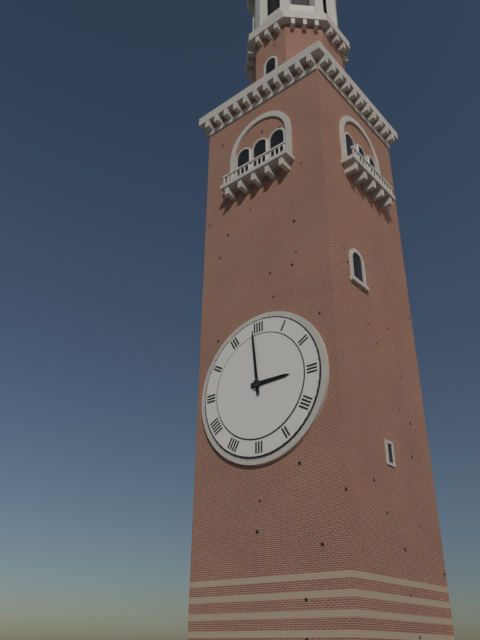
**2:59**
